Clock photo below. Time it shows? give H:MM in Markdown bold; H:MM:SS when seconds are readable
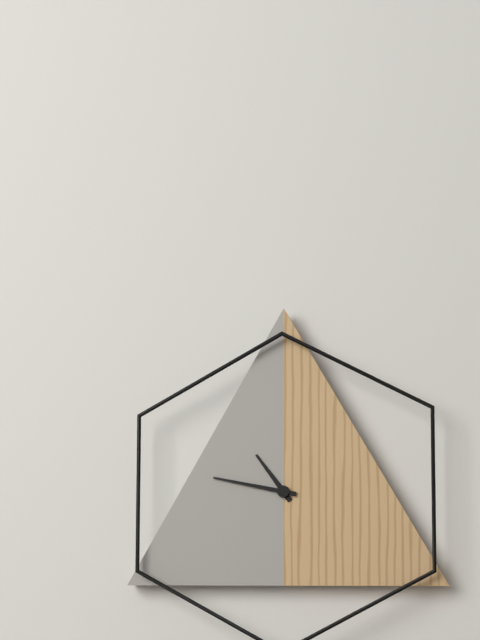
**10:47**
